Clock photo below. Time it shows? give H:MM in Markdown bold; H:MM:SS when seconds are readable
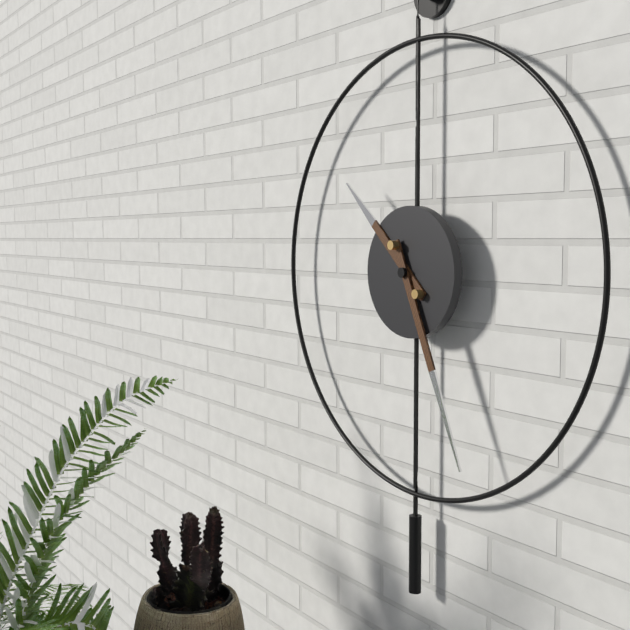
**10:26**
